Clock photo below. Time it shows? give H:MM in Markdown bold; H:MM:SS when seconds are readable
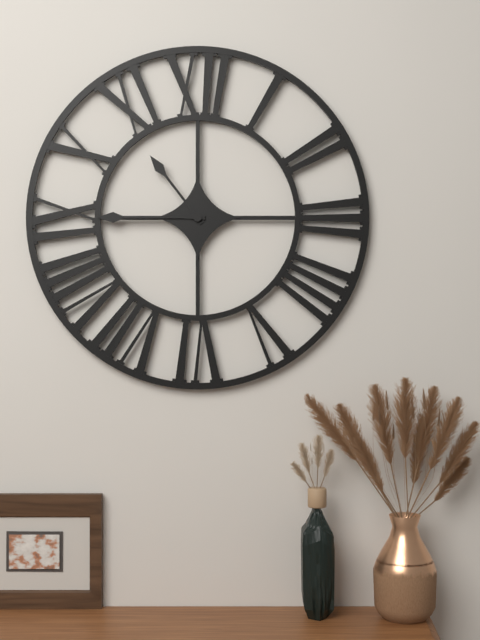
**10:45**
